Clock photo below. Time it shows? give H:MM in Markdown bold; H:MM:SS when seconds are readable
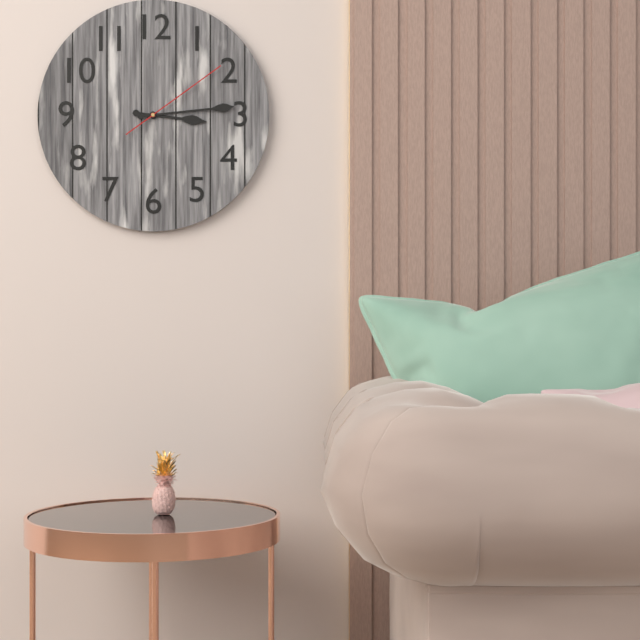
**3:14:09**
